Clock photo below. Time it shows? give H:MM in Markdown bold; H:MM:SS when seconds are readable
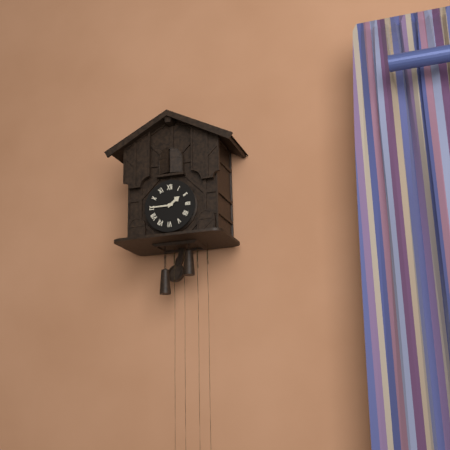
**1:45**
